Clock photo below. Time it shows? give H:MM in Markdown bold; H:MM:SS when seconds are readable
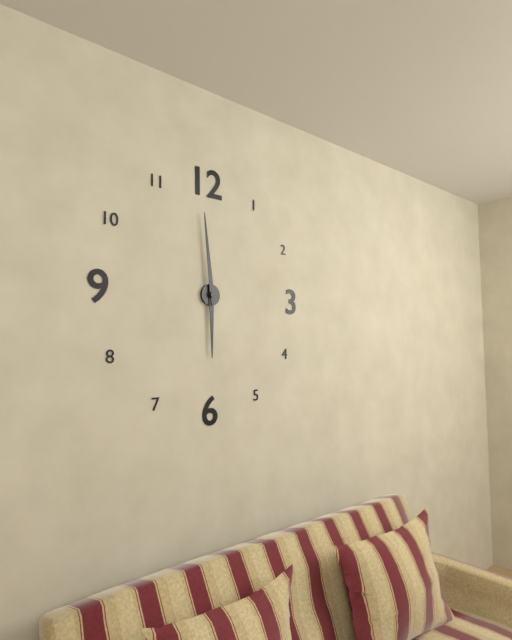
**5:59**
